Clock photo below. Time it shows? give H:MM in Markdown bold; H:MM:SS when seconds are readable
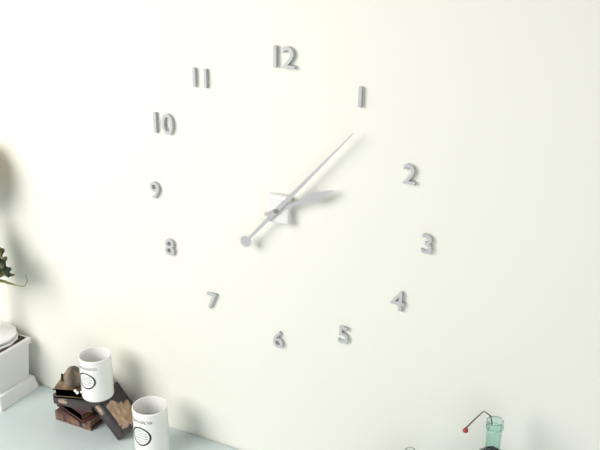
**2:07**
